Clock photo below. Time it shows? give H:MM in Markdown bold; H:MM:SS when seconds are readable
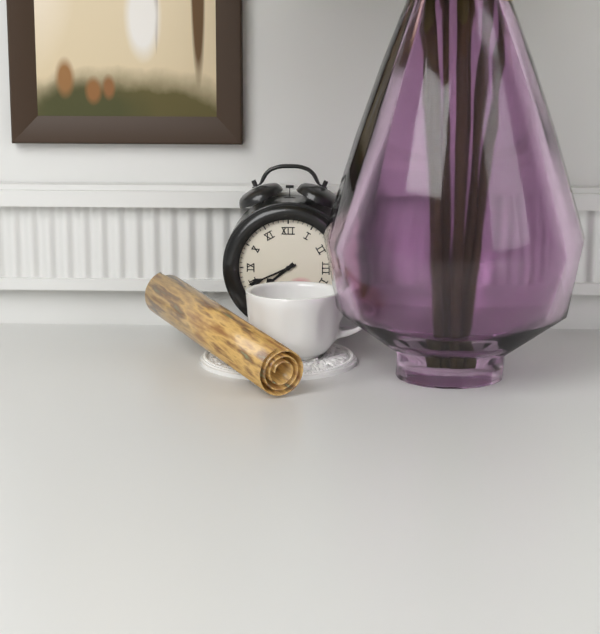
**7:41**
